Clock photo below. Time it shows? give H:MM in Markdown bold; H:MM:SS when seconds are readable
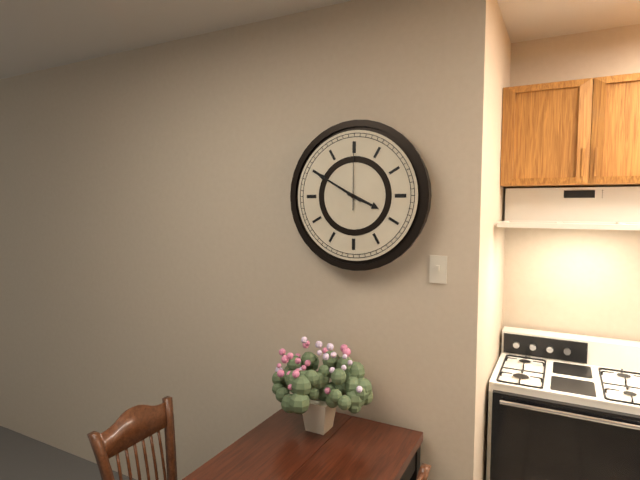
**3:50:00**
